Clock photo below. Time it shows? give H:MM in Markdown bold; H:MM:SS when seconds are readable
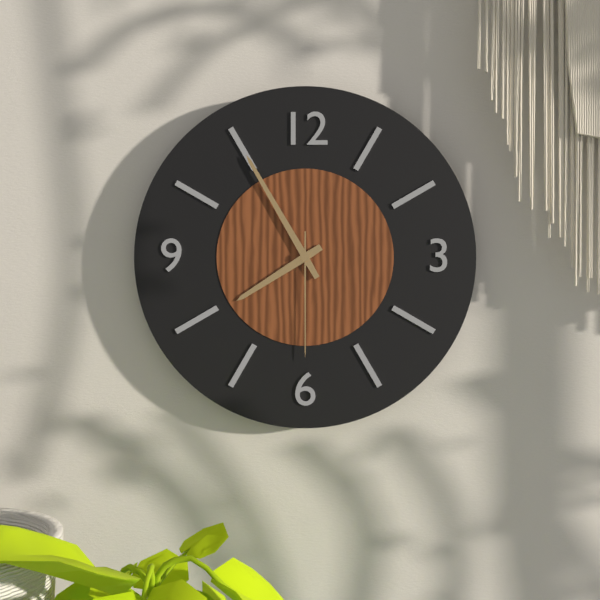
**7:55:30**
